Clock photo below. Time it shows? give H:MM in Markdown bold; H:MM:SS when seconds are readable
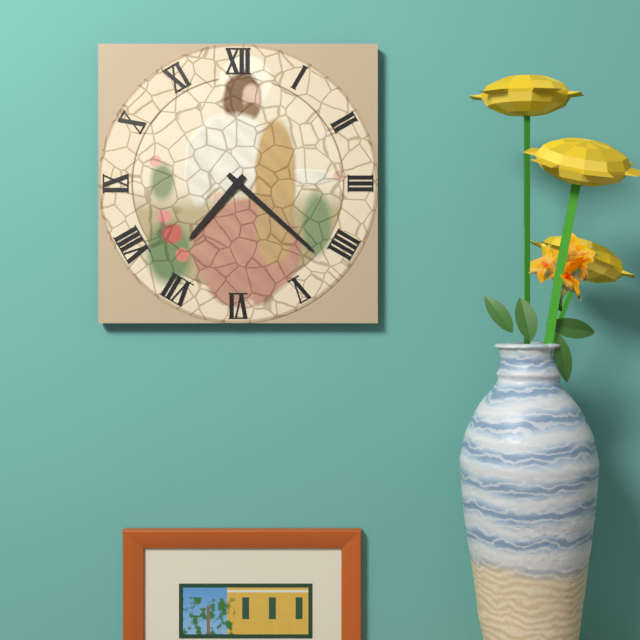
**7:22**
